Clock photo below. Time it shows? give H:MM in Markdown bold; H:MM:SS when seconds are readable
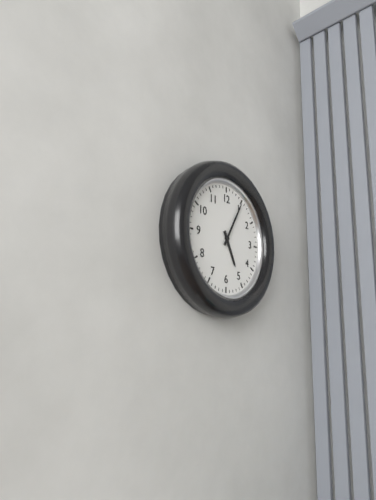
**5:05**
